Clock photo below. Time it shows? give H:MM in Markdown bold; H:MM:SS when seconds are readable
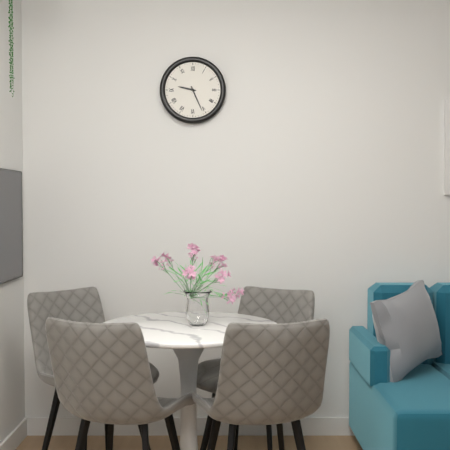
**9:26**
